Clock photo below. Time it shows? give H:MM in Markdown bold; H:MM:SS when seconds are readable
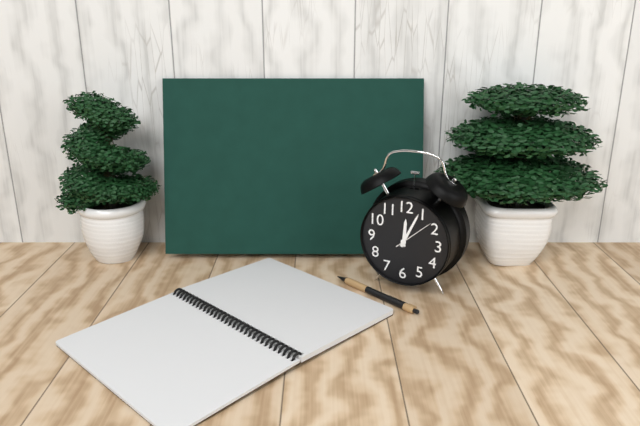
**12:04**
